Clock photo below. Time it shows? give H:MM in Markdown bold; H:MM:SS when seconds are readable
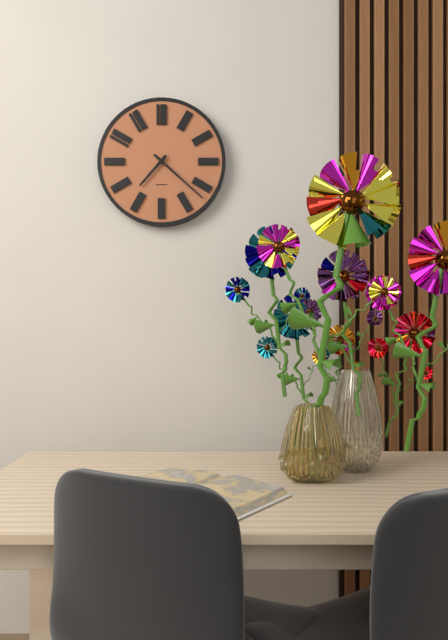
**7:22**
